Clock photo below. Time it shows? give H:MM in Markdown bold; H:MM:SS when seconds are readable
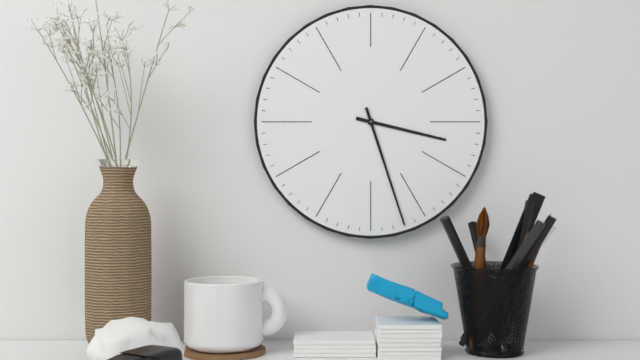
**3:27**
